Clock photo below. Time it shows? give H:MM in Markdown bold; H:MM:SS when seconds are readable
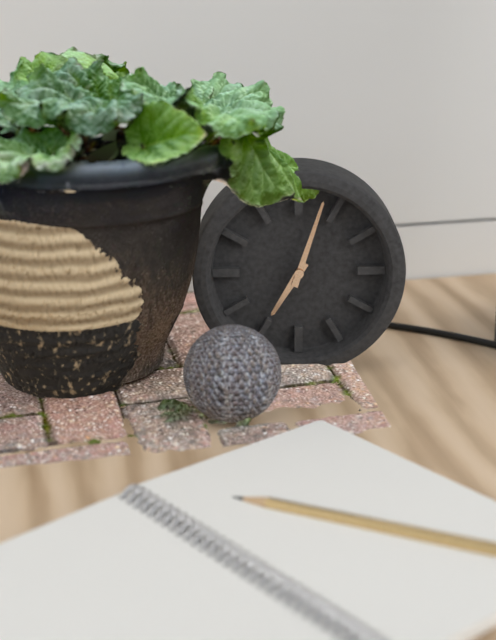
**7:03**
